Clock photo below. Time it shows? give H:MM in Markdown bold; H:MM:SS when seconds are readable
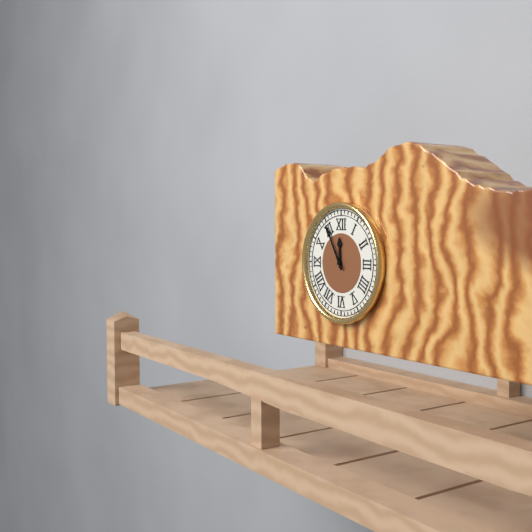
**11:55**
